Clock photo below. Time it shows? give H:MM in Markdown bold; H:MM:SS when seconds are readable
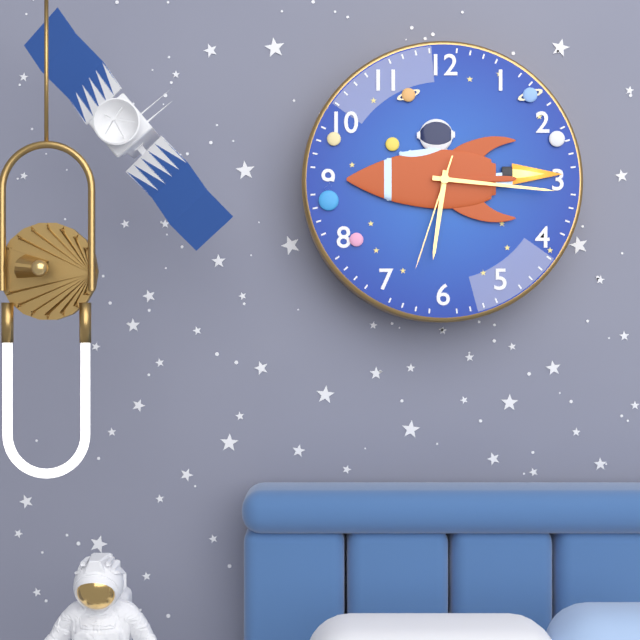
**6:16:33**
